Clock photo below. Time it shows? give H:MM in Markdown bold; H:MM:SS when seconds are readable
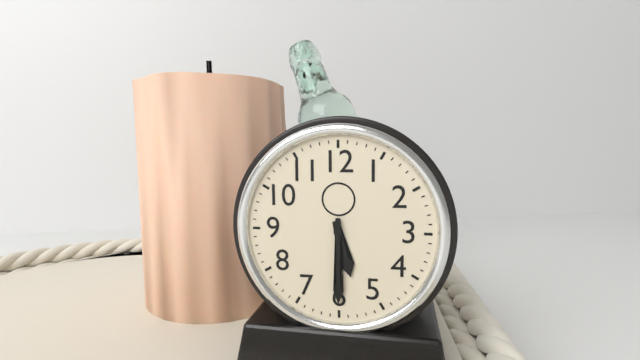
**5:30**
